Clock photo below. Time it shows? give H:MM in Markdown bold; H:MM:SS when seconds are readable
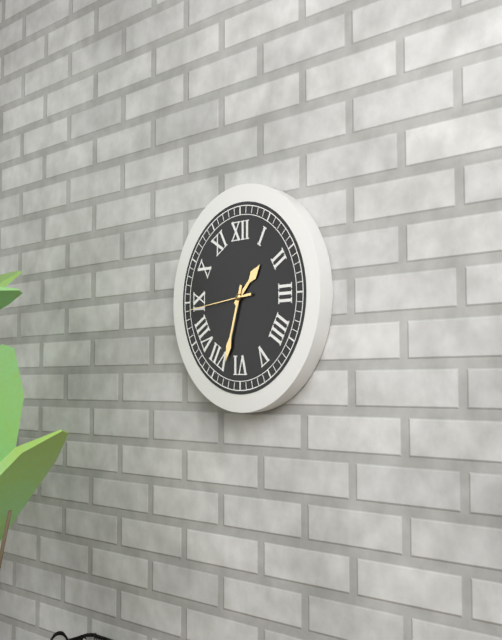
**1:33:44**
